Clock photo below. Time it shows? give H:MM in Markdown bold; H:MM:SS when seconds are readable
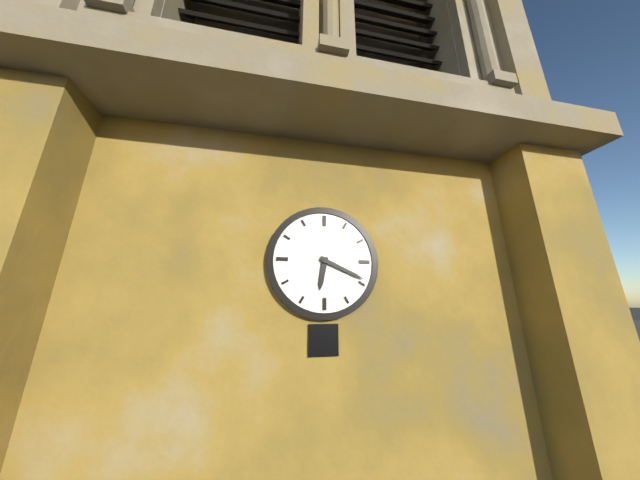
**6:19**
